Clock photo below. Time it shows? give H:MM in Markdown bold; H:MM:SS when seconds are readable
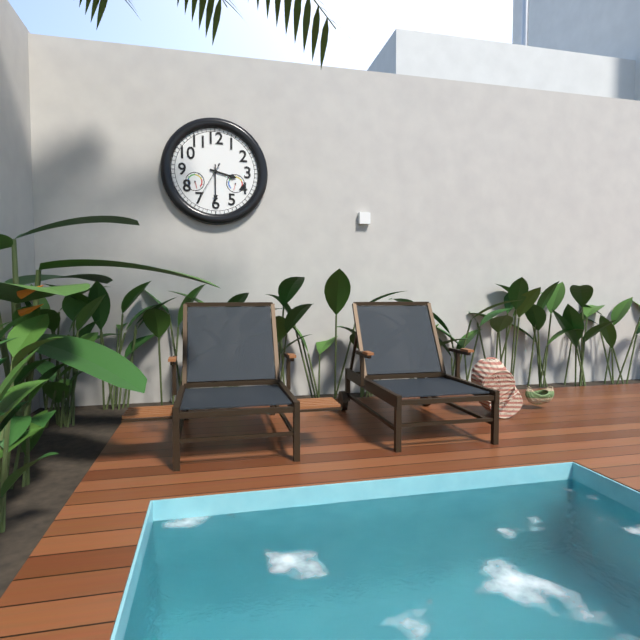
**3:30**
